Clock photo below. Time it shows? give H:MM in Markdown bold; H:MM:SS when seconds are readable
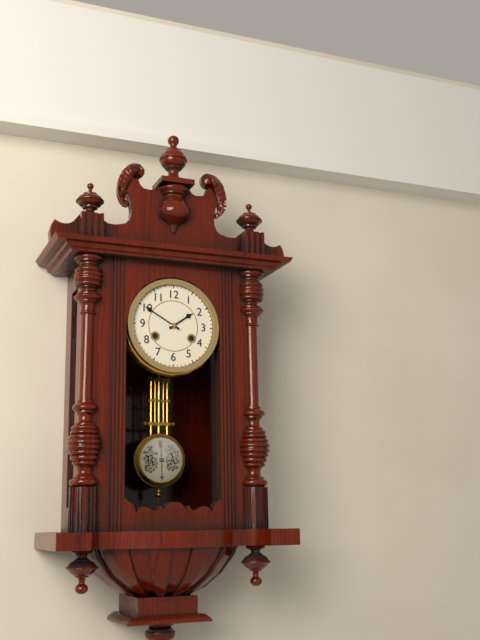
**1:50**
